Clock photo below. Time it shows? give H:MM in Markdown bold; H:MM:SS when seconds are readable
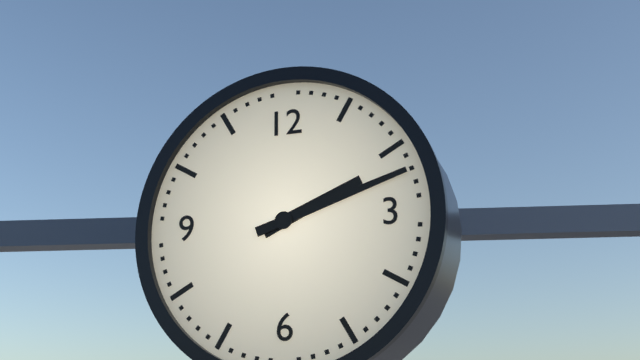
**2:12**
